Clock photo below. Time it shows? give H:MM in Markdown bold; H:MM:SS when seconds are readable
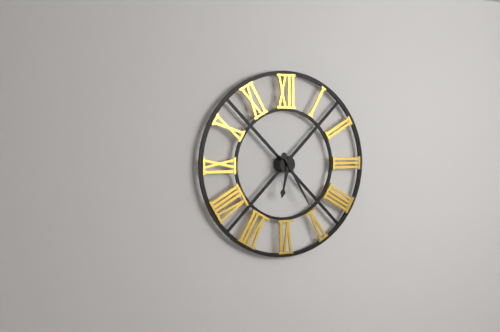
**6:25**
